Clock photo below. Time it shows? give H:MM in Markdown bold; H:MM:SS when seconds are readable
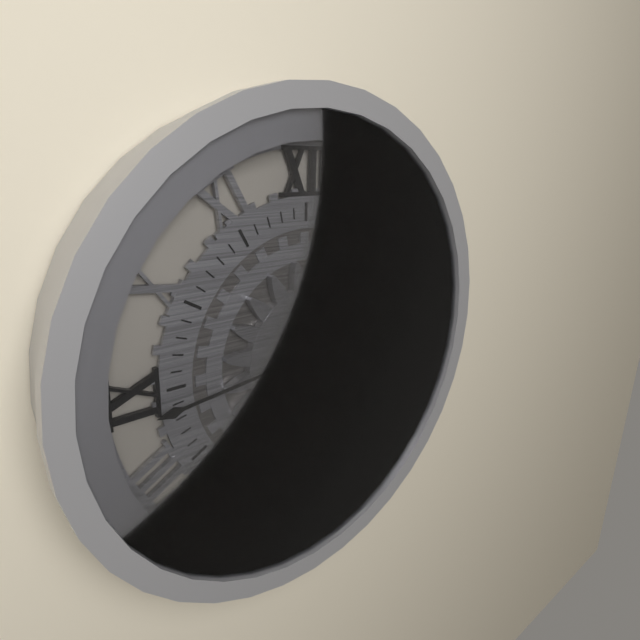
**5:44**
